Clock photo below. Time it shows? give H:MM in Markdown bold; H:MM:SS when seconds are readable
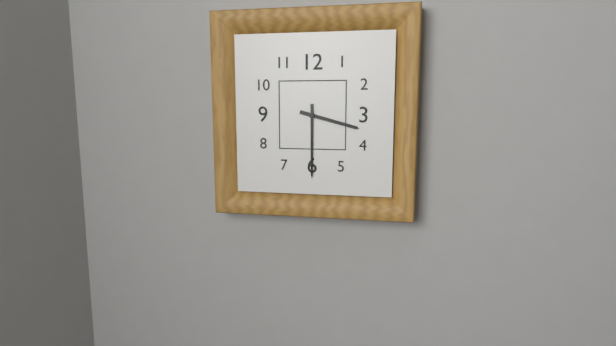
**3:30**
